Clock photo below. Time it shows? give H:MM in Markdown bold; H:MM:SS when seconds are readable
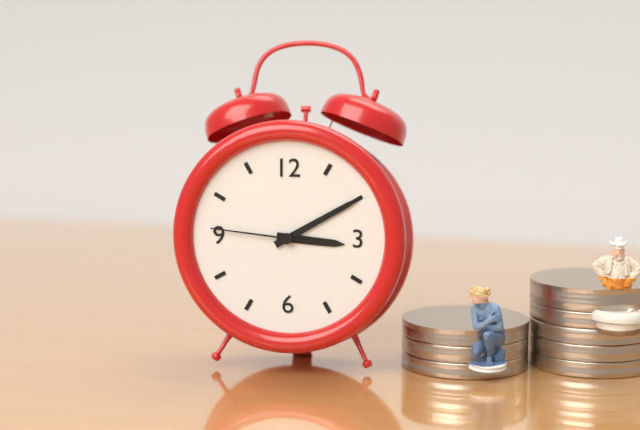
**3:10:46**
